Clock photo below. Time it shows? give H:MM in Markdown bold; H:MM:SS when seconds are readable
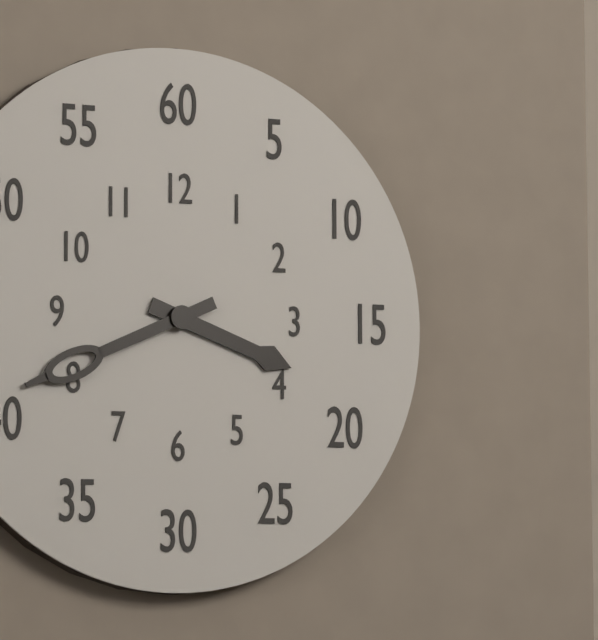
**3:41**
